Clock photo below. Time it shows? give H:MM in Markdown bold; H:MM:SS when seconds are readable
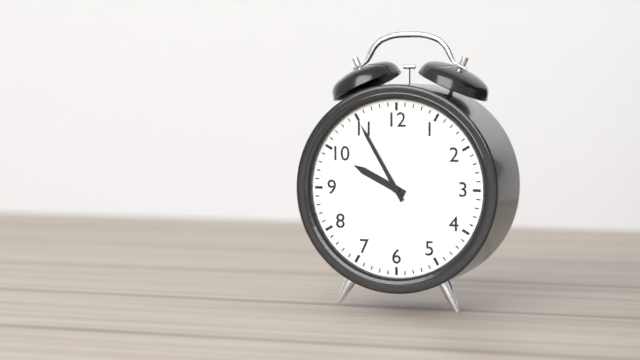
**9:55**
